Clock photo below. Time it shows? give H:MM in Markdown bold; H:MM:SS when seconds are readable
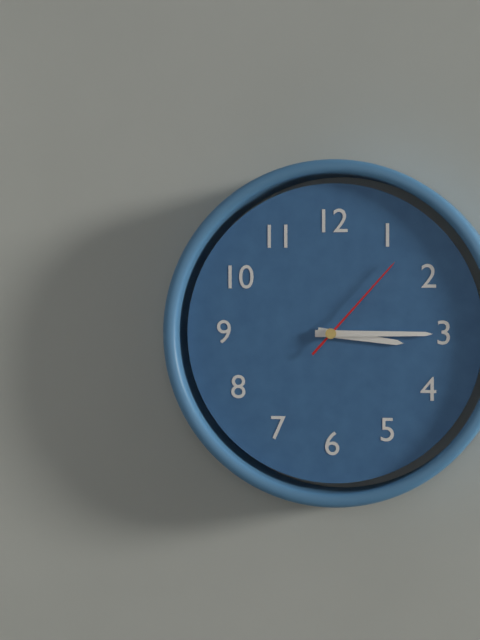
**3:15:07**
